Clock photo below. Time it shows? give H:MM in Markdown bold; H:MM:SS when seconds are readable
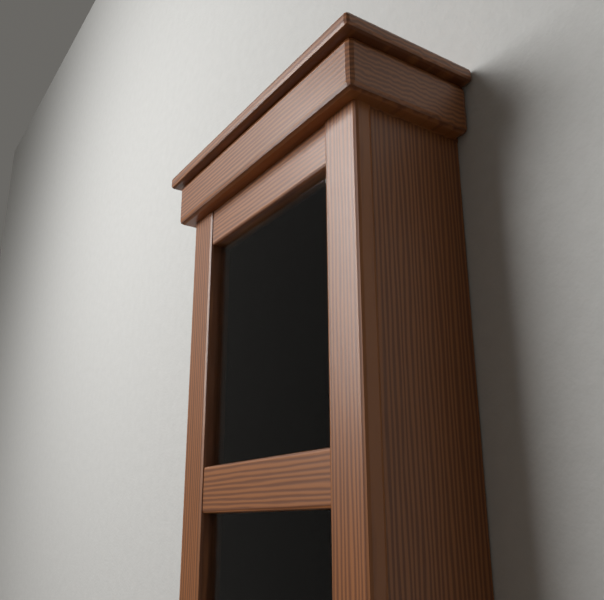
**12:37**
